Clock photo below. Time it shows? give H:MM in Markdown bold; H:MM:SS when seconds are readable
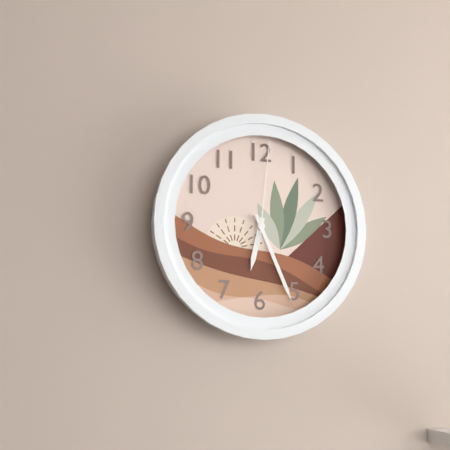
**6:26:01**
